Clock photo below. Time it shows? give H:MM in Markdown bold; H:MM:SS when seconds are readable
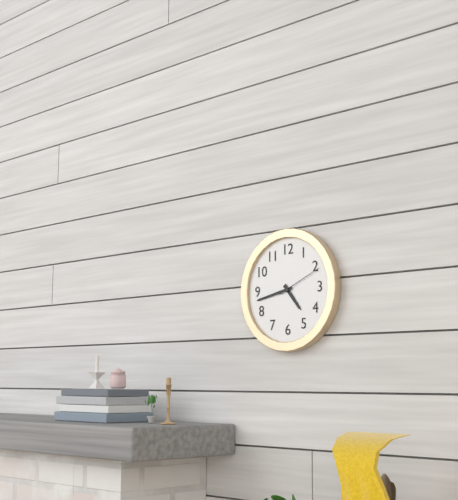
**4:43**
